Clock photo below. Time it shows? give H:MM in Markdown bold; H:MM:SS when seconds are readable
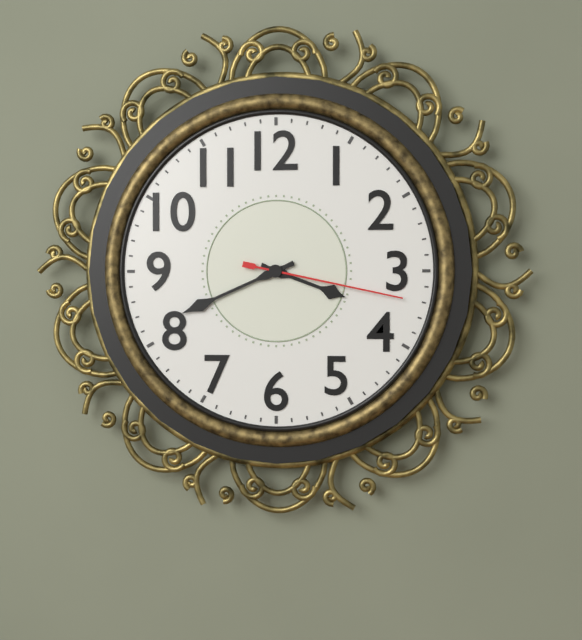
**3:41:17**
